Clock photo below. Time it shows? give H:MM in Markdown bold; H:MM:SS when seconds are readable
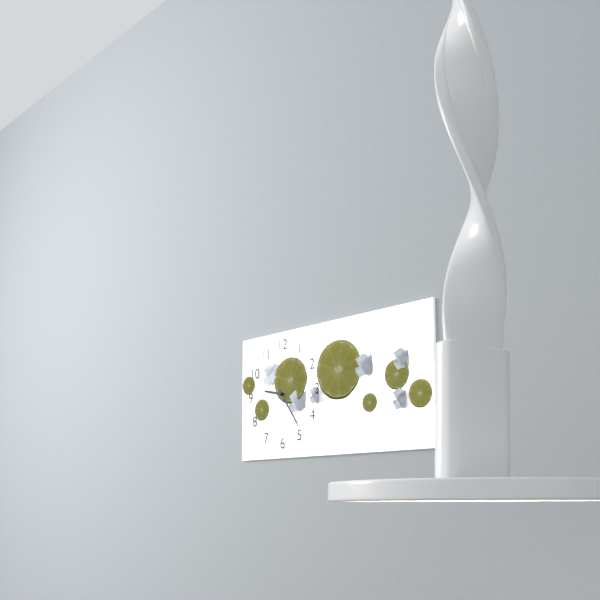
**9:24**
